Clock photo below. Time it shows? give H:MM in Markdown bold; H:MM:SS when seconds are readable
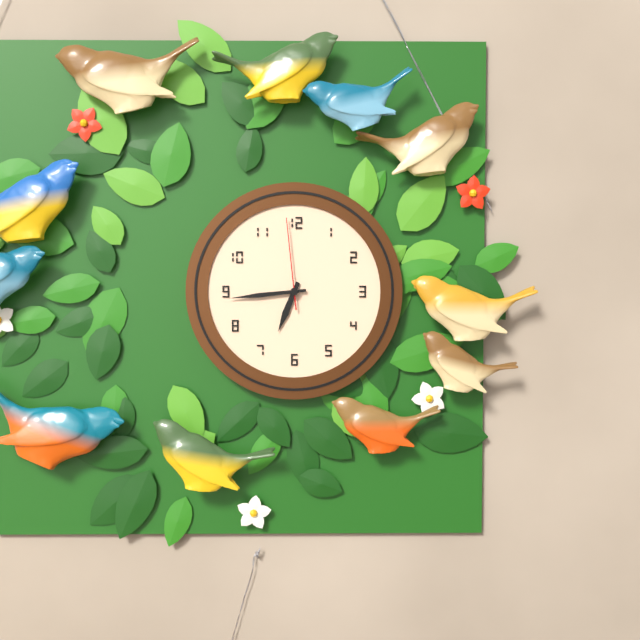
**6:44:59**
